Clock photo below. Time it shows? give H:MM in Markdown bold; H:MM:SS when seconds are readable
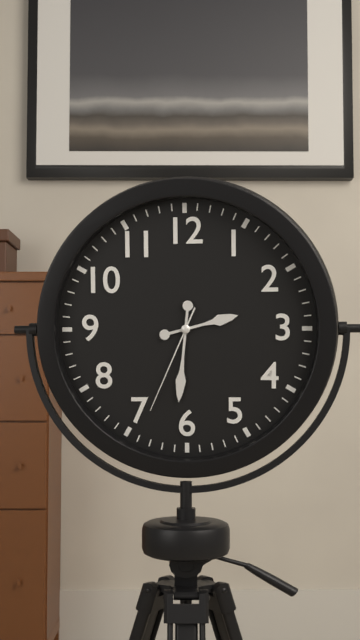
**2:31:34**
